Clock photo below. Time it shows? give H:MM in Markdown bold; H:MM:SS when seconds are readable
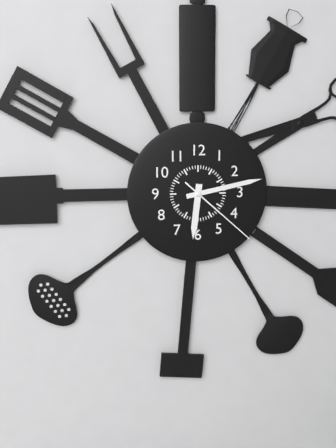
**6:13:22**
